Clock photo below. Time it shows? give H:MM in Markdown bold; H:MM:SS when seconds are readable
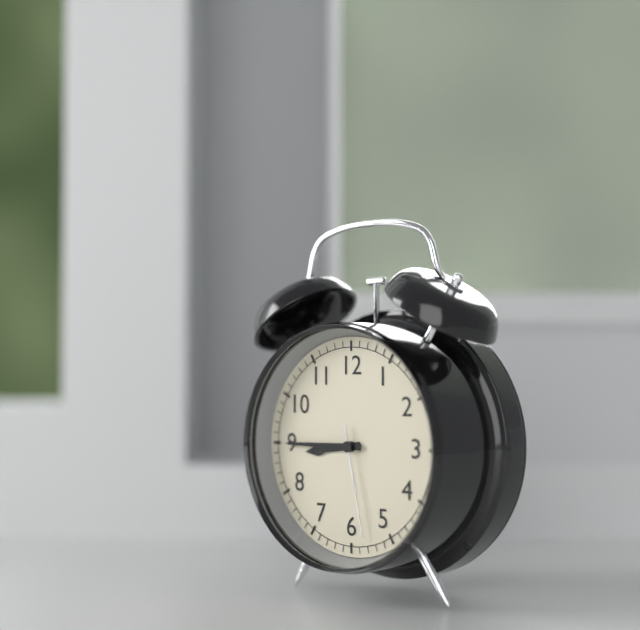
**8:45:28**
